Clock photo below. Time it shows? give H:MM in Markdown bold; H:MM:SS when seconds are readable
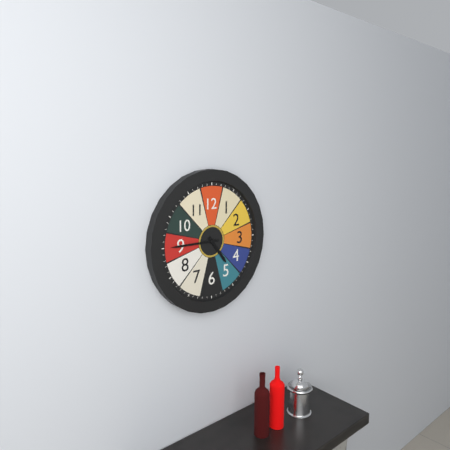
**4:45**
